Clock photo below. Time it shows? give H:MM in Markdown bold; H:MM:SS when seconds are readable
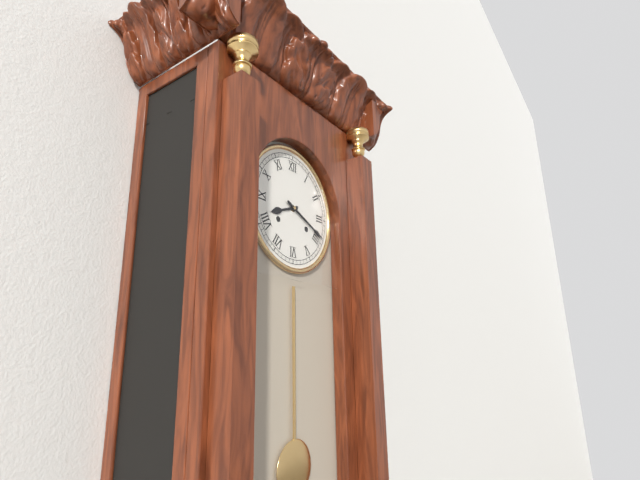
**8:19**
